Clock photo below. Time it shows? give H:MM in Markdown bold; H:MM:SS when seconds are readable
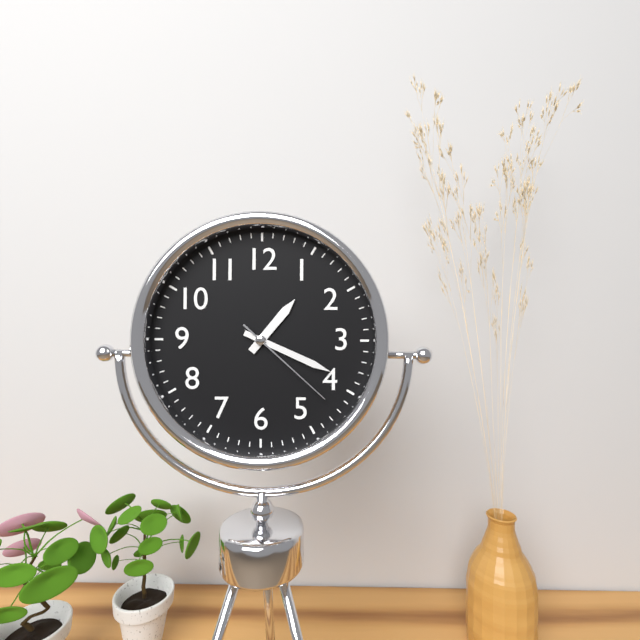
**1:19:22**
